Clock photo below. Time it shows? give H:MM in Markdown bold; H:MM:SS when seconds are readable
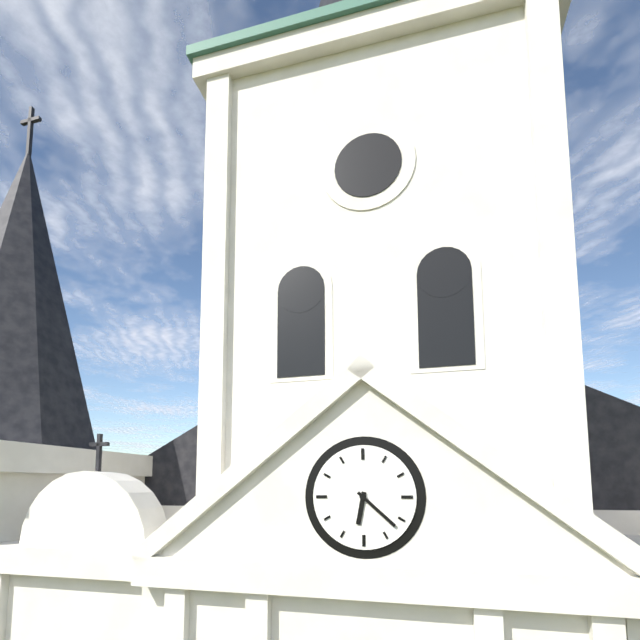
**6:22**
